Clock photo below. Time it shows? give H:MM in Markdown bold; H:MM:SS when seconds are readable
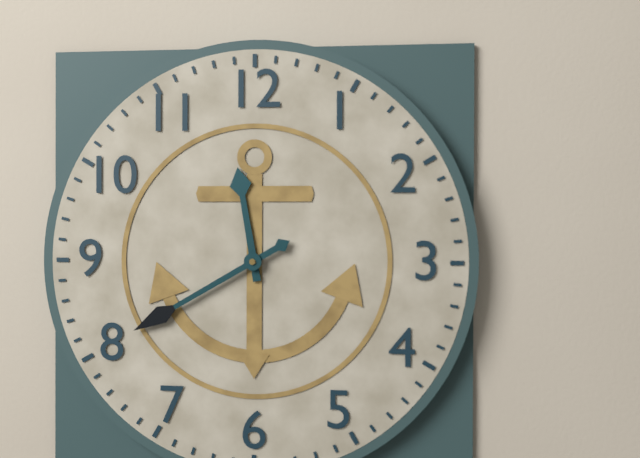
**11:40**
